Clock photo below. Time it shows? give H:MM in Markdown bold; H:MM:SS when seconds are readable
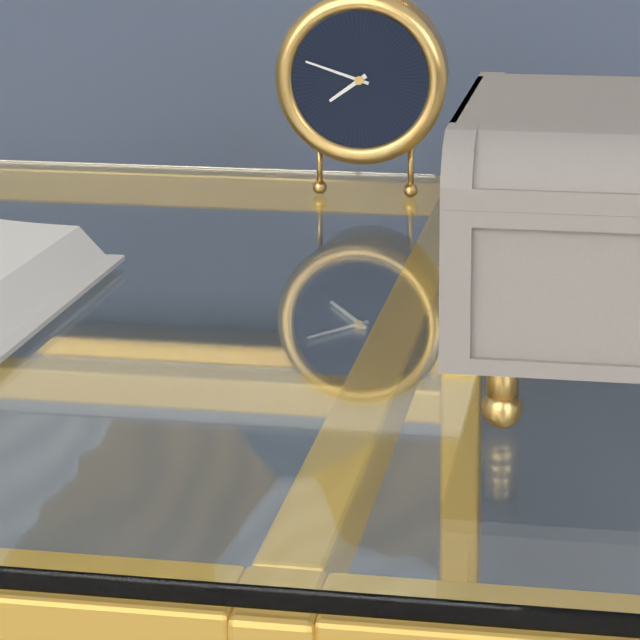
**7:48**
